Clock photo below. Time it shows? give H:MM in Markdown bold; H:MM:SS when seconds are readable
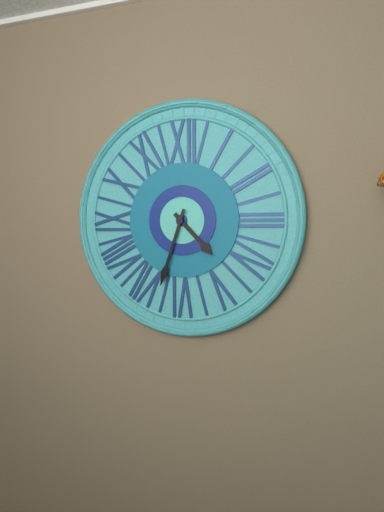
**4:33**
